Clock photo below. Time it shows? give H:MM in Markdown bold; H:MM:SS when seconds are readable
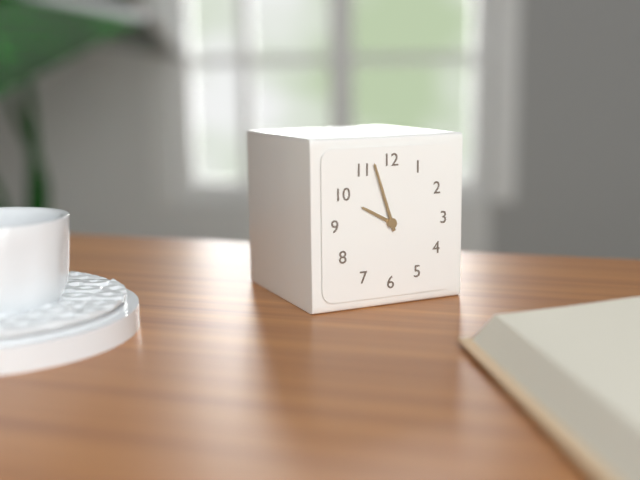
**9:57**
